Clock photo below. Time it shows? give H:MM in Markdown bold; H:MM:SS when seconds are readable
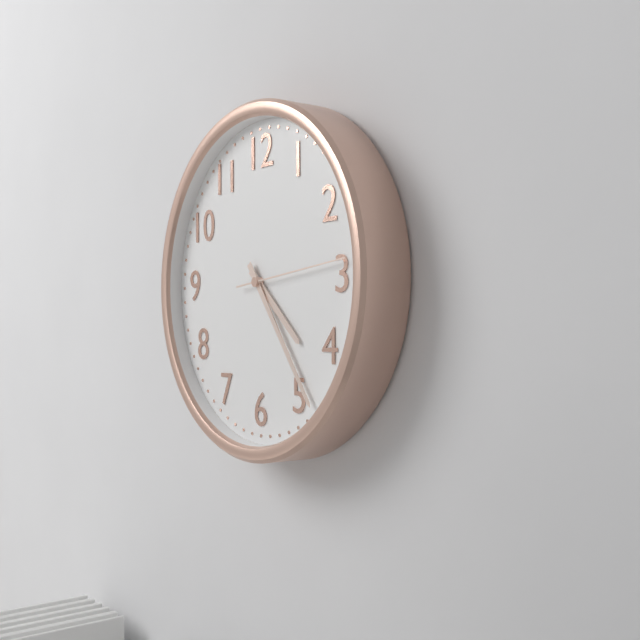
**4:24:14**
